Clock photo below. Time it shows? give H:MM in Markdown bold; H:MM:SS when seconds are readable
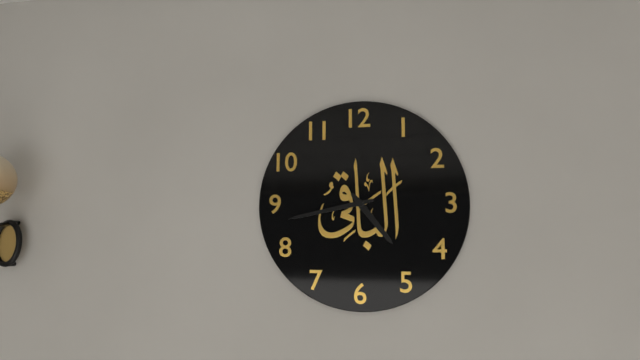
**4:43**
